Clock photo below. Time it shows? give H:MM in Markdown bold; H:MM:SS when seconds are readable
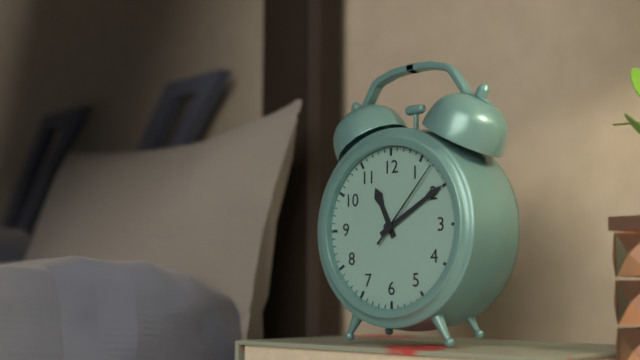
**11:10:07**
